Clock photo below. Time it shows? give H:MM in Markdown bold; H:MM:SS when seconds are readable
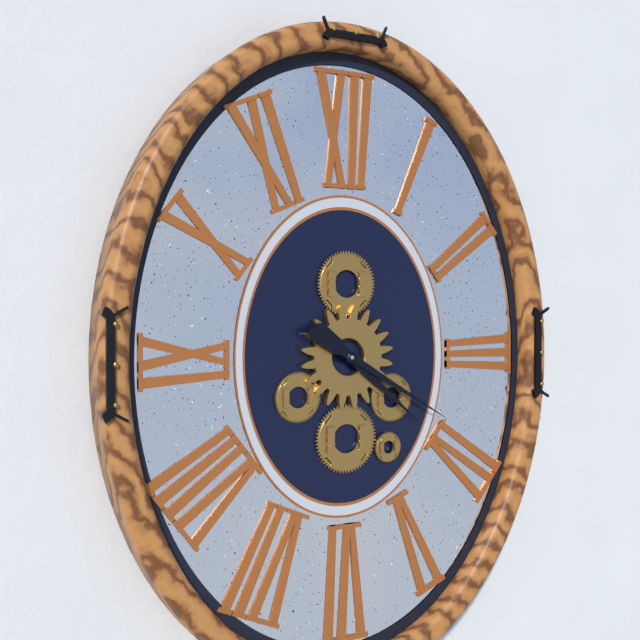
**4:20**
